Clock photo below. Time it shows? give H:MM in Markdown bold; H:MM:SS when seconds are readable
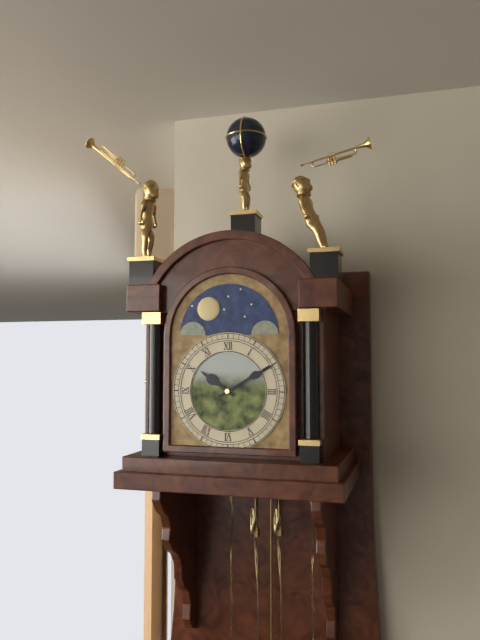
**10:10**
